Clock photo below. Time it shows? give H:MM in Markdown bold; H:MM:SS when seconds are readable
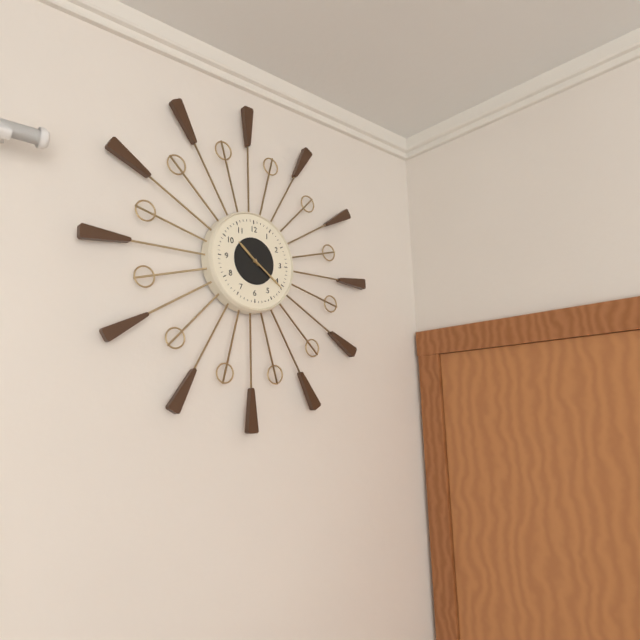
**10:21**
